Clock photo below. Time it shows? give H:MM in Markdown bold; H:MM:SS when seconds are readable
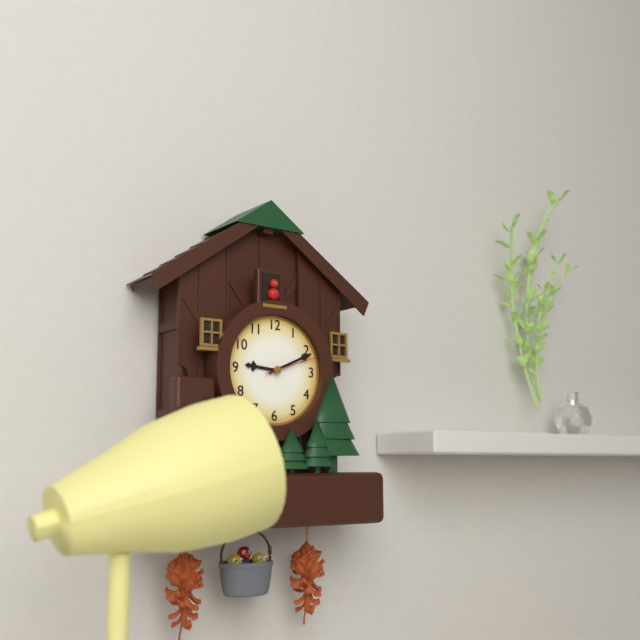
**9:11:12**
